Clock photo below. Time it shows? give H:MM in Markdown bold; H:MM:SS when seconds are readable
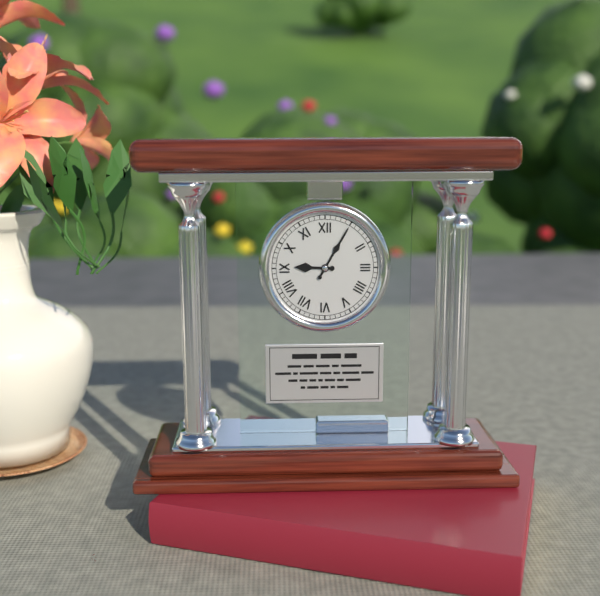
**9:05**
